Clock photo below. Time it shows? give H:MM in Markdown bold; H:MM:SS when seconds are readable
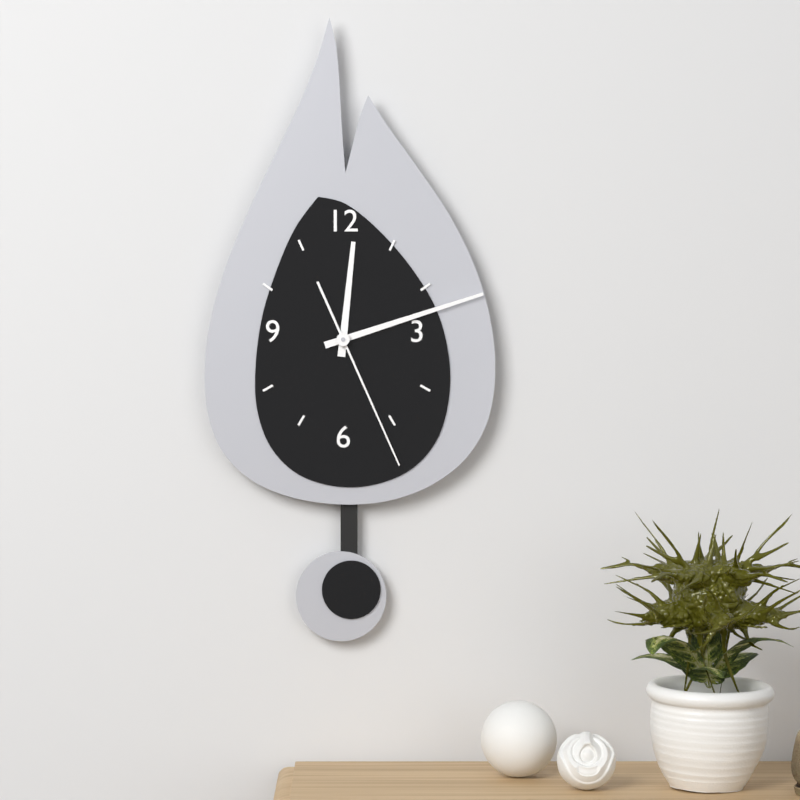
**12:12:26**
